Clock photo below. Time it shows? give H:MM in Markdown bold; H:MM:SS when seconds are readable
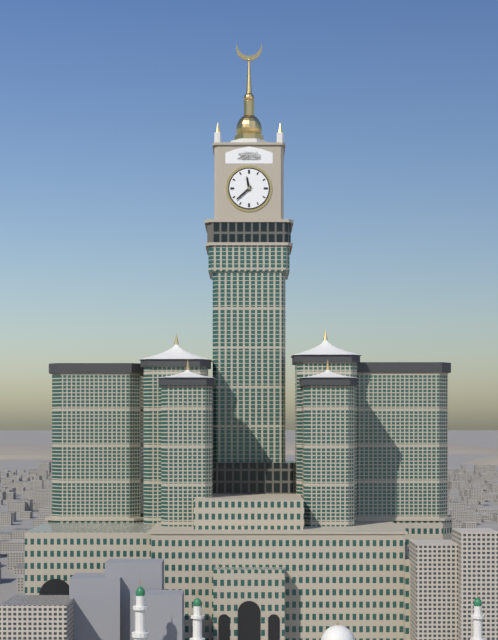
**11:38**
